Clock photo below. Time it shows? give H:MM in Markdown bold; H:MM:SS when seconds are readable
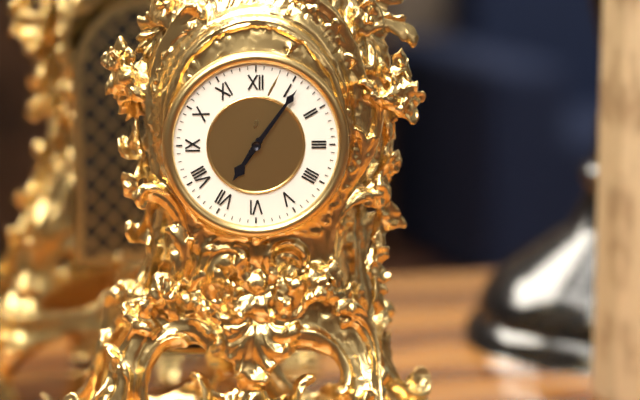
**7:06**
